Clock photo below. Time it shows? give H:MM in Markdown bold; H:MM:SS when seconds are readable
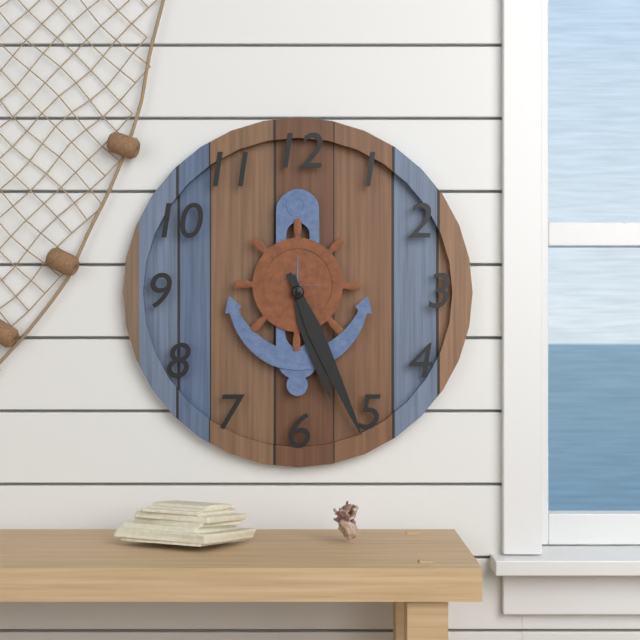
**5:26**
